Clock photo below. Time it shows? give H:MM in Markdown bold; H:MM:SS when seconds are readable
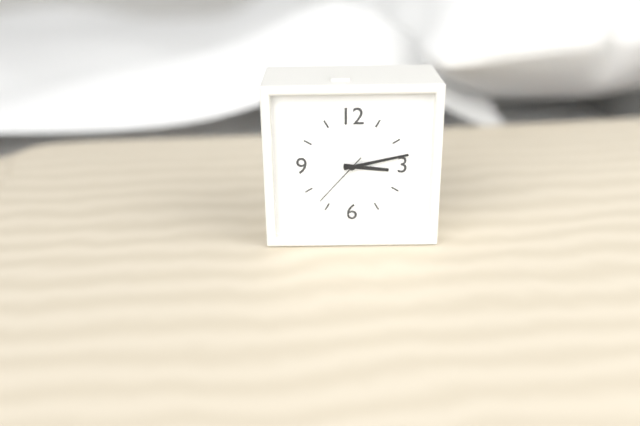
**3:13:37**
